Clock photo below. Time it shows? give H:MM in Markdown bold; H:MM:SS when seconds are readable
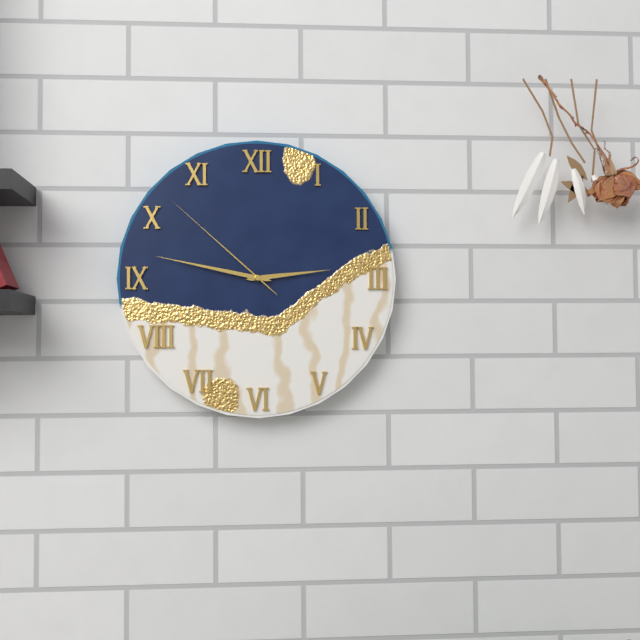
**2:47:52**
